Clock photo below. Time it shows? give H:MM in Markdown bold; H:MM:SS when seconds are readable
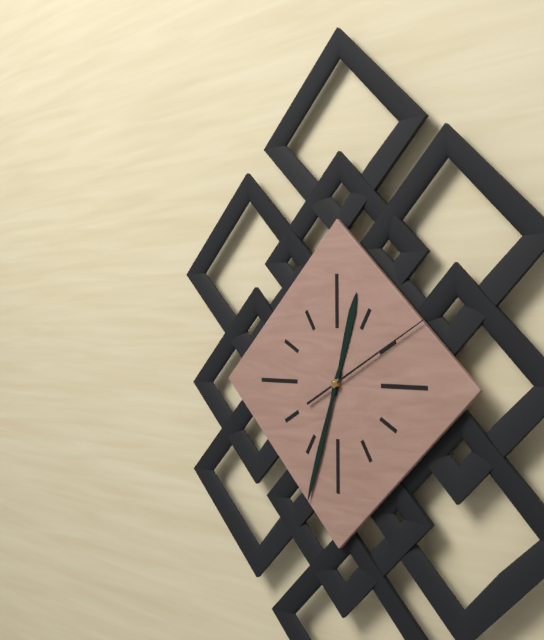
**12:33:10**
